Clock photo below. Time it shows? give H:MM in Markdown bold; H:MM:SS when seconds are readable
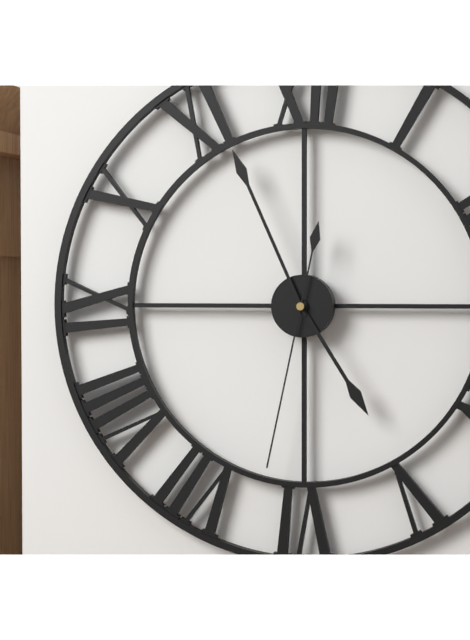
**4:56:32**
